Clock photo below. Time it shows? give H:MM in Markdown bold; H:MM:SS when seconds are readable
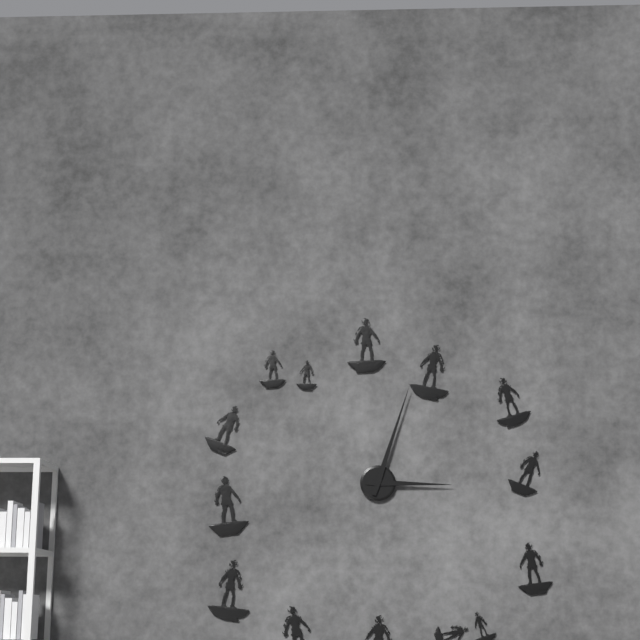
**3:03**
